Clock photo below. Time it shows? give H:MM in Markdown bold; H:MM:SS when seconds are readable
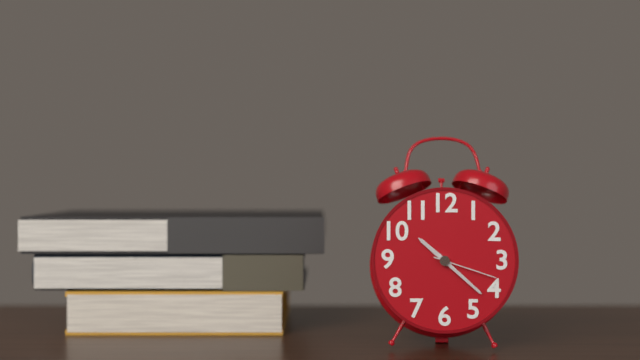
**10:22:18**
